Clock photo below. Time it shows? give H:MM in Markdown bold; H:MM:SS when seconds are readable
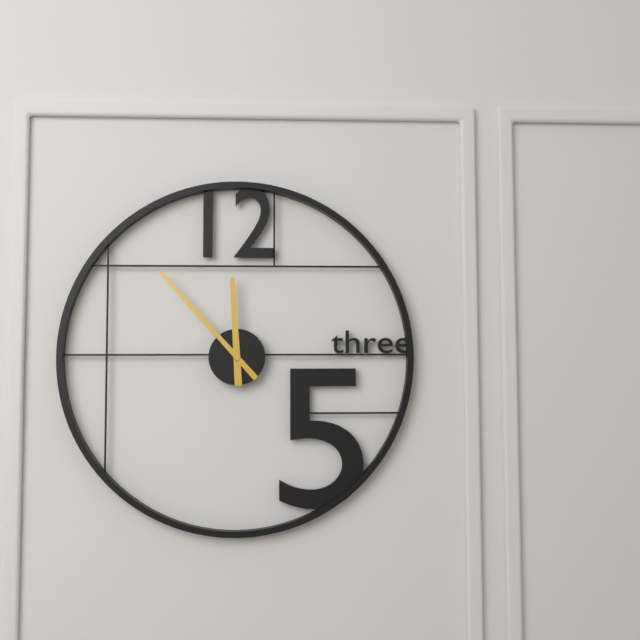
**11:53**
